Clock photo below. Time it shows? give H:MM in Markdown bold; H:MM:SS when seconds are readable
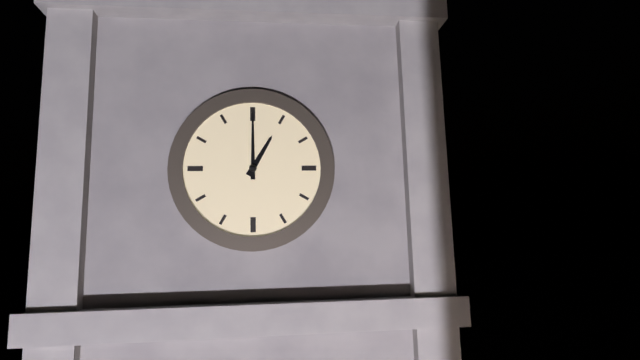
**1:00**
